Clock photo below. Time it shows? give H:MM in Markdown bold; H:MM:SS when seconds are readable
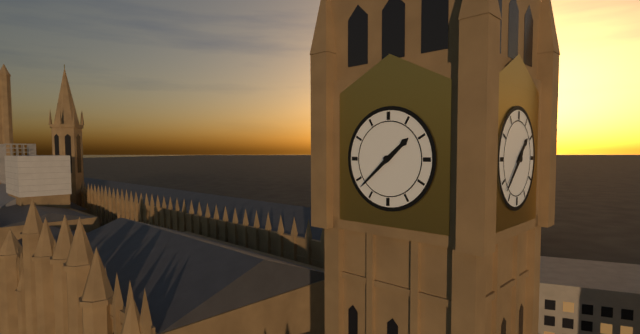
**1:38**
